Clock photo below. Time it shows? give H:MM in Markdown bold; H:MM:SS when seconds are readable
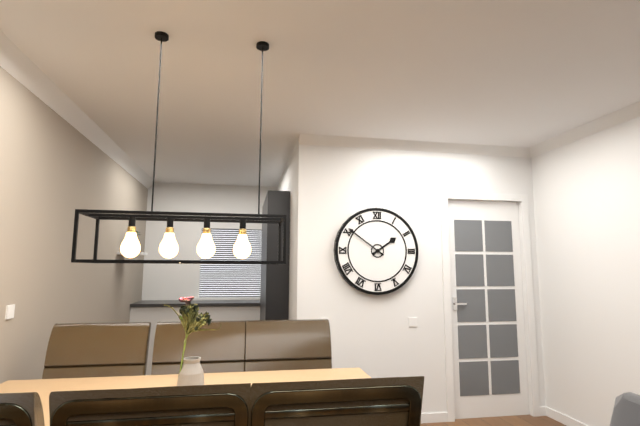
**1:51**
